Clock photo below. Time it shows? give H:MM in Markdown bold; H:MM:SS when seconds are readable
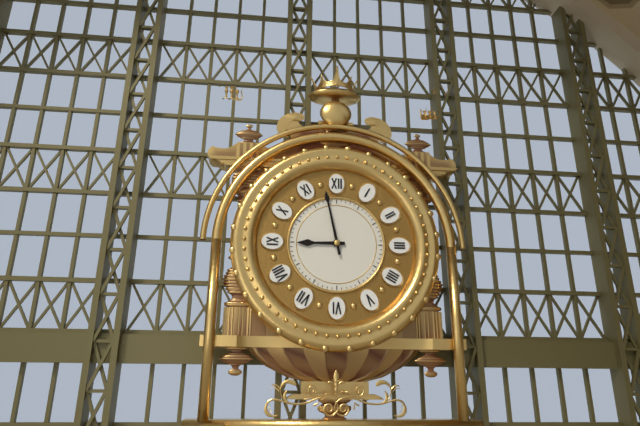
**8:58**
